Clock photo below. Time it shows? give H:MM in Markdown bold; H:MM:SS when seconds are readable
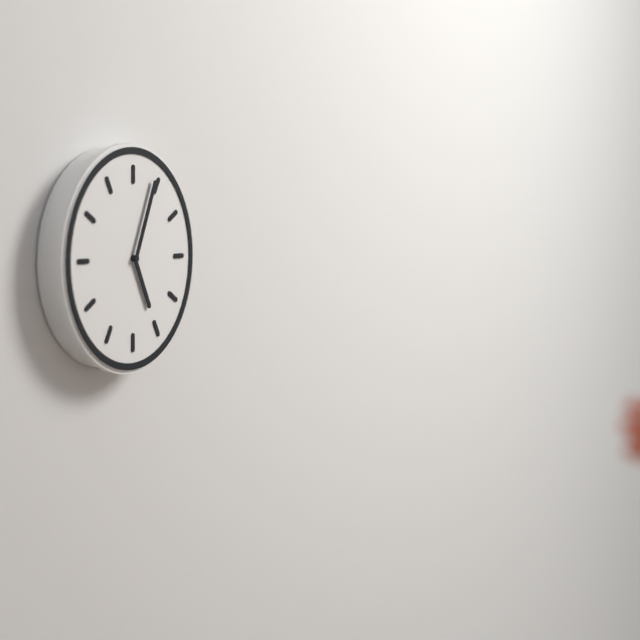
**5:04**
